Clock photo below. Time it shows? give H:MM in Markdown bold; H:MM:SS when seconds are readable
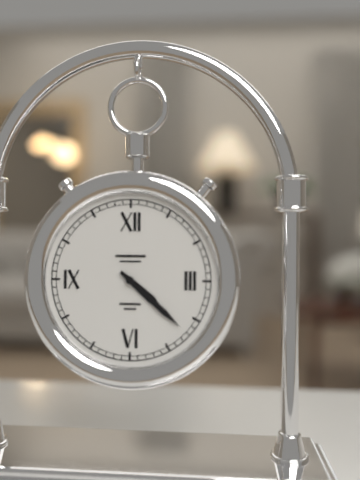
**4:22**
